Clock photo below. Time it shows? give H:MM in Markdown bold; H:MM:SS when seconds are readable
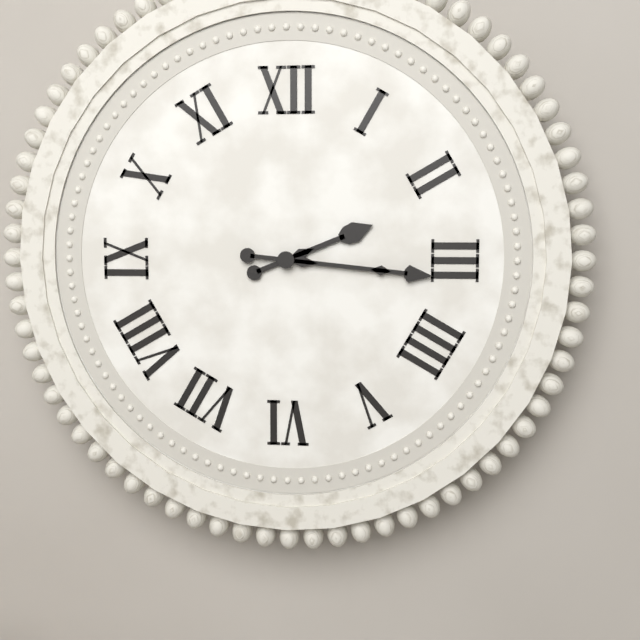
**2:16**
